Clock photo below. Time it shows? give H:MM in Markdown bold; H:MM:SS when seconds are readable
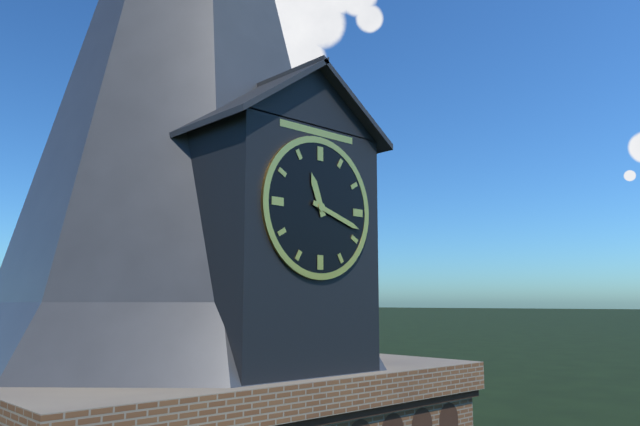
**11:18**
